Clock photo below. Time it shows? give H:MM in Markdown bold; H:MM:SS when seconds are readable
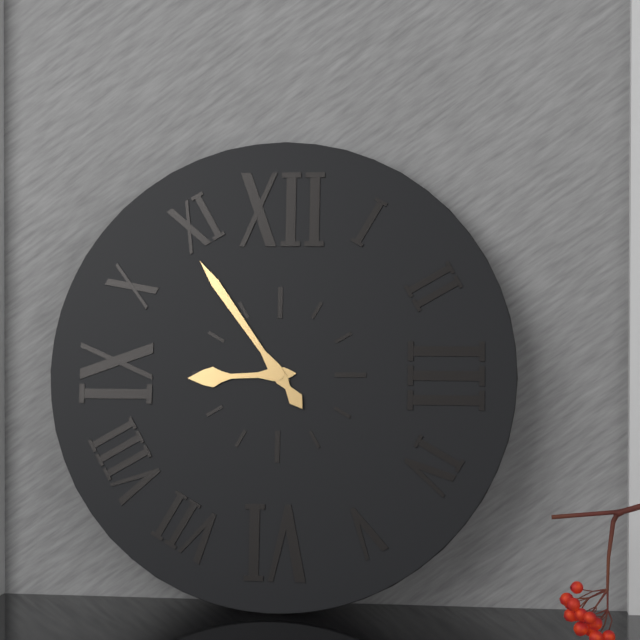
**8:54**
